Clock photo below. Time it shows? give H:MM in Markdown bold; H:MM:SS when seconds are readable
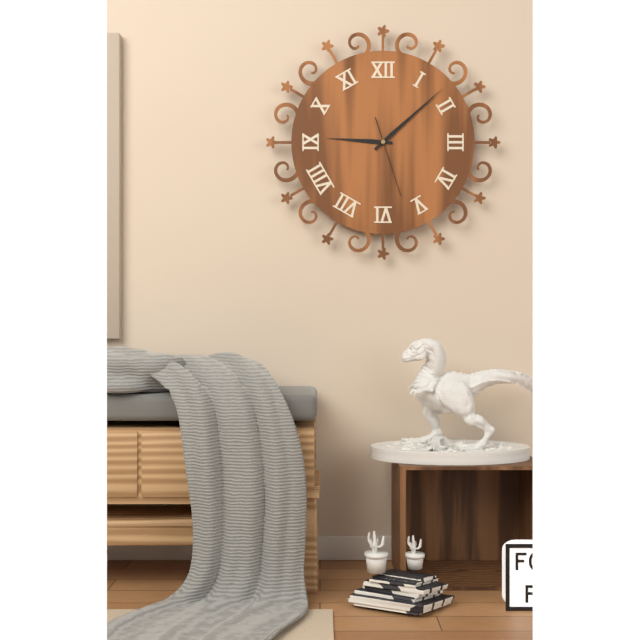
**9:08:27**
